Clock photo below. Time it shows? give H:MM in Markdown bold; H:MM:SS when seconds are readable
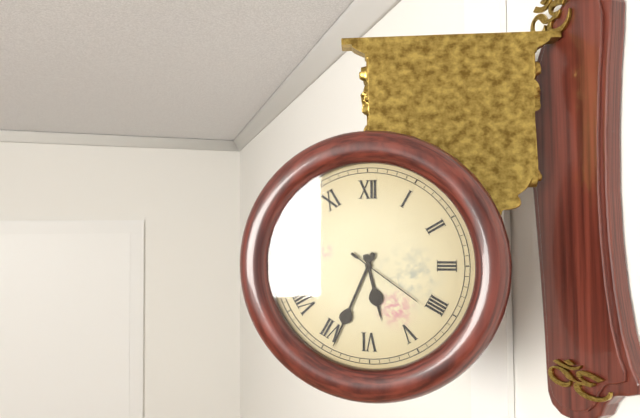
**5:34:21**
